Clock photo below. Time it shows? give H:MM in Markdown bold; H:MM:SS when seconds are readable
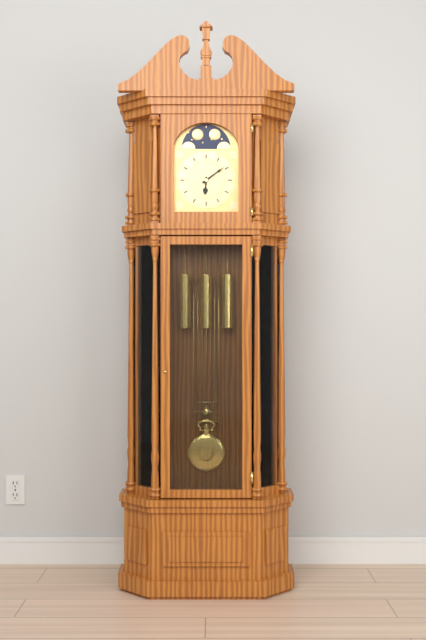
**6:09**
